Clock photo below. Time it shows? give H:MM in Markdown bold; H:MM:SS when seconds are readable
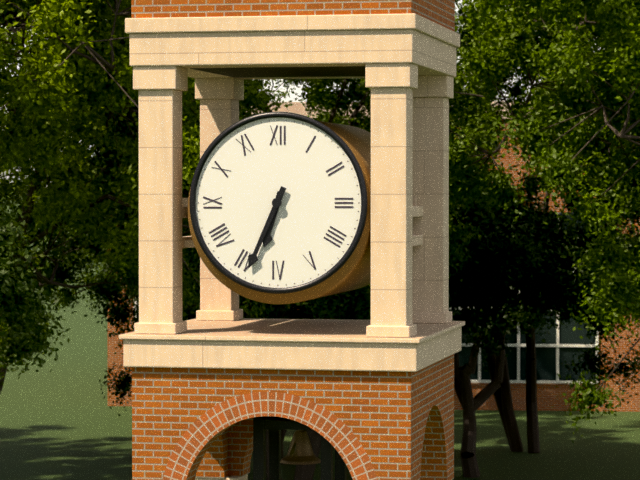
**6:34**
